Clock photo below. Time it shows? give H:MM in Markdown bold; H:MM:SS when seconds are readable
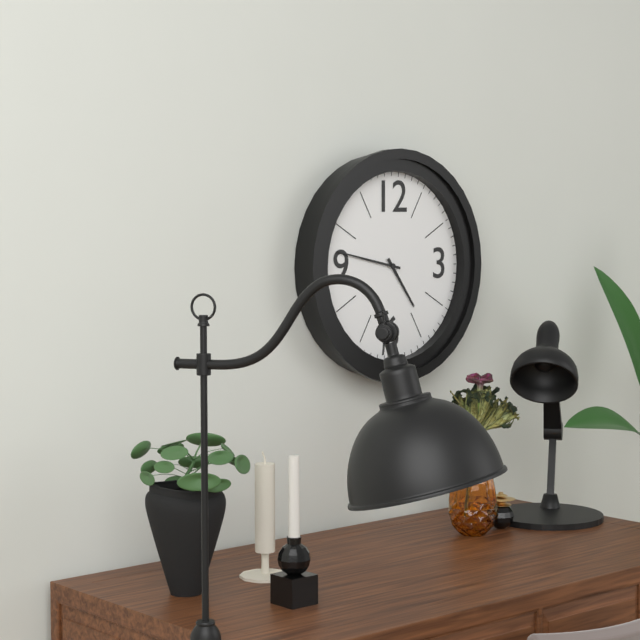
**4:47**
